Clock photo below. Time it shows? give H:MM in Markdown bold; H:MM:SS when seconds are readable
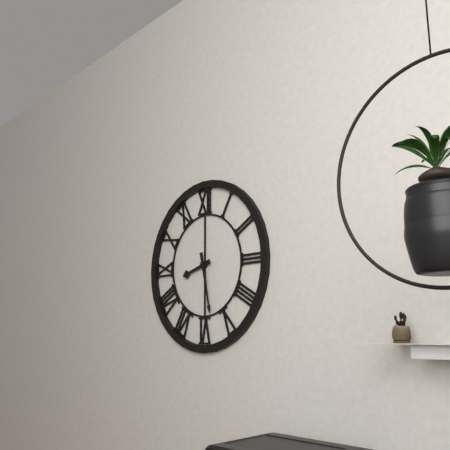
**8:28**
